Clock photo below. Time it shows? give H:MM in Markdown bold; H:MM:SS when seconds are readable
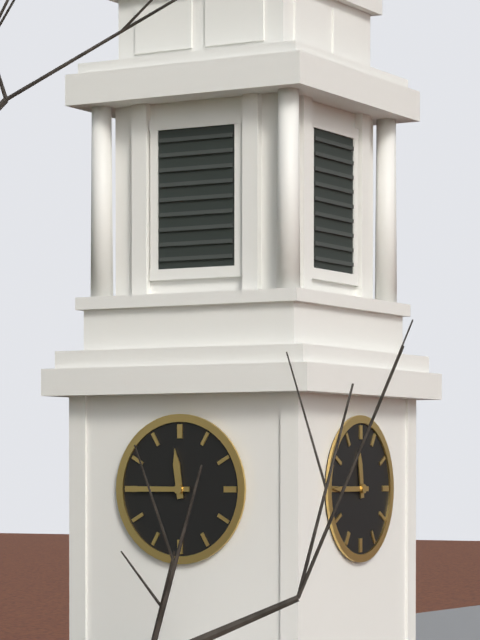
**11:45**
